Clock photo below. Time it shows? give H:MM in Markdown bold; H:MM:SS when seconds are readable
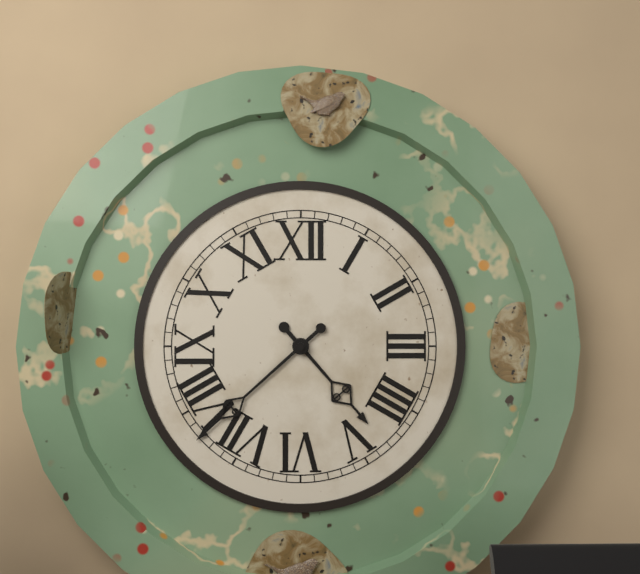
**4:38**
